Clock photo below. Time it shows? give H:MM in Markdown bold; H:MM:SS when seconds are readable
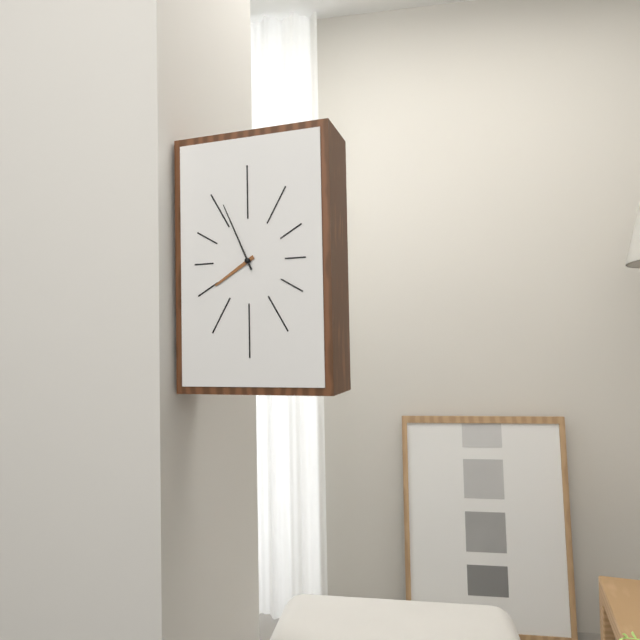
**7:56**
